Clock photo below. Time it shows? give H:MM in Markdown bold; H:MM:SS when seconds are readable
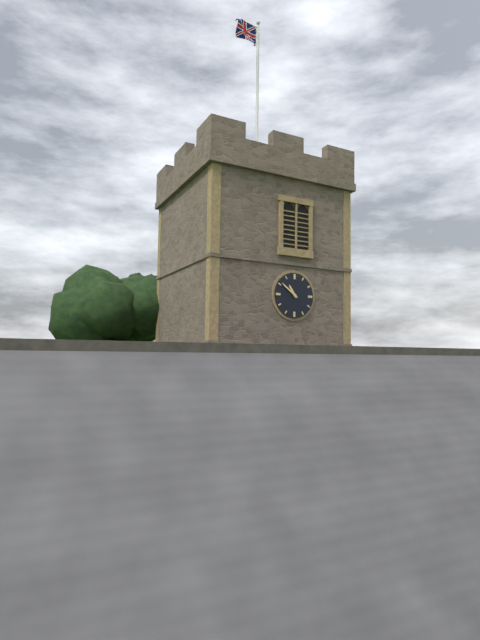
**10:51**
